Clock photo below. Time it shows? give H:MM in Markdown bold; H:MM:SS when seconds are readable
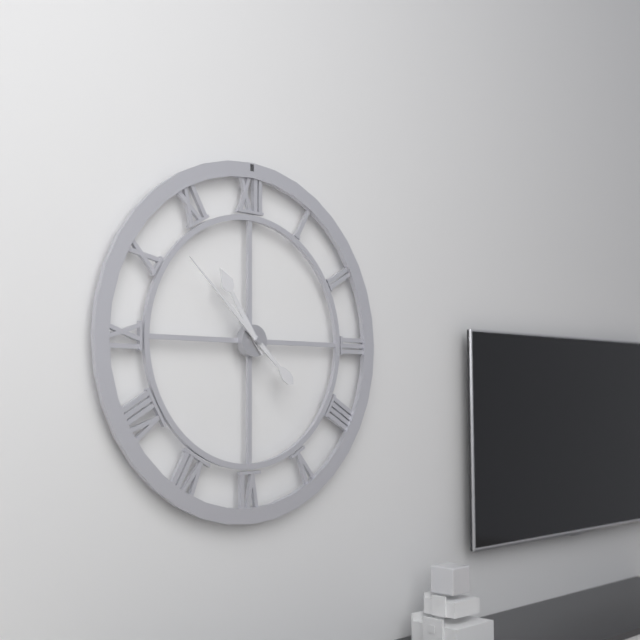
**10:52**
